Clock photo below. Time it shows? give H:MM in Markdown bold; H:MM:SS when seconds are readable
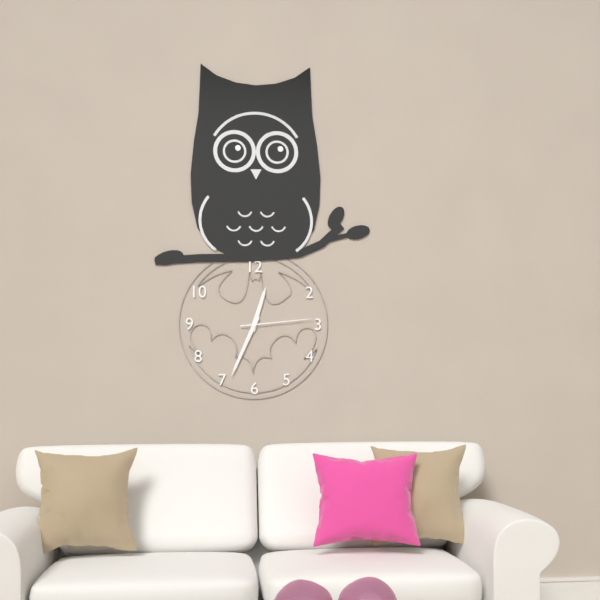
**12:34:14**
